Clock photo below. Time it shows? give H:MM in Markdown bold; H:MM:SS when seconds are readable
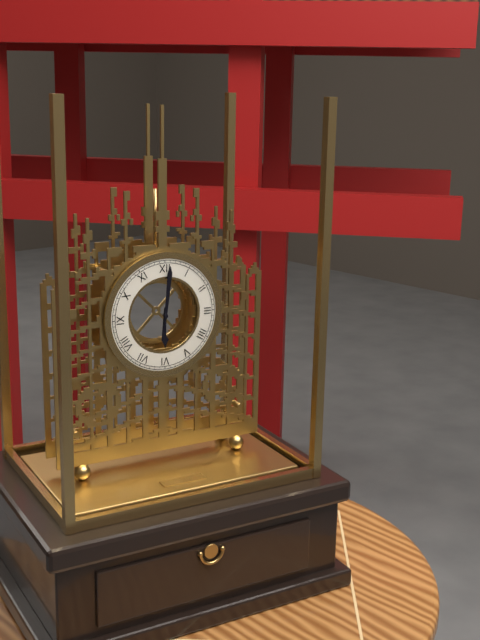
**6:01**
